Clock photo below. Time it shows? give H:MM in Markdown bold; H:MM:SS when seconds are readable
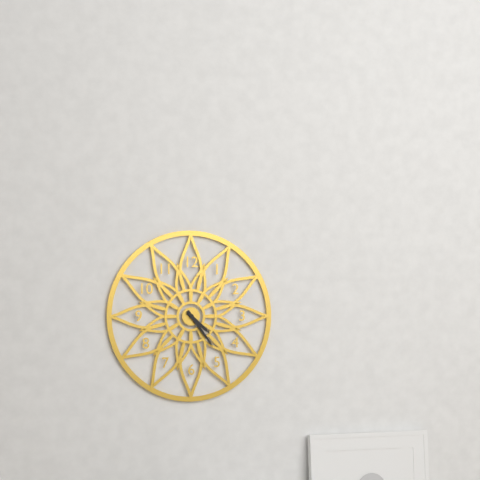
**4:24**
